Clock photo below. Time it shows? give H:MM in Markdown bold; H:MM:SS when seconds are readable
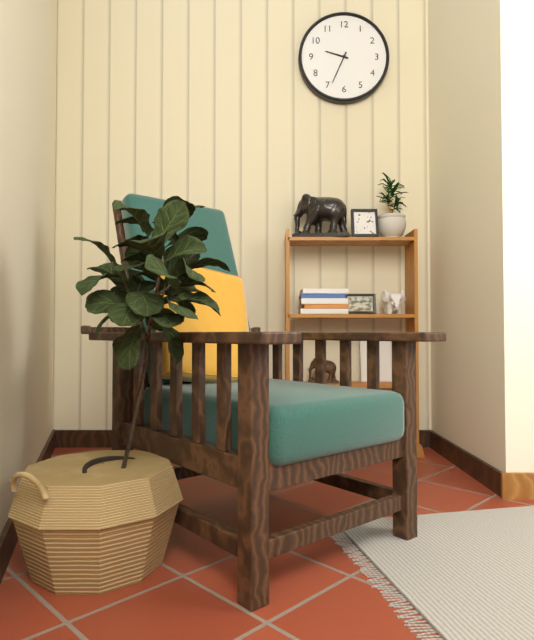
**9:34**
